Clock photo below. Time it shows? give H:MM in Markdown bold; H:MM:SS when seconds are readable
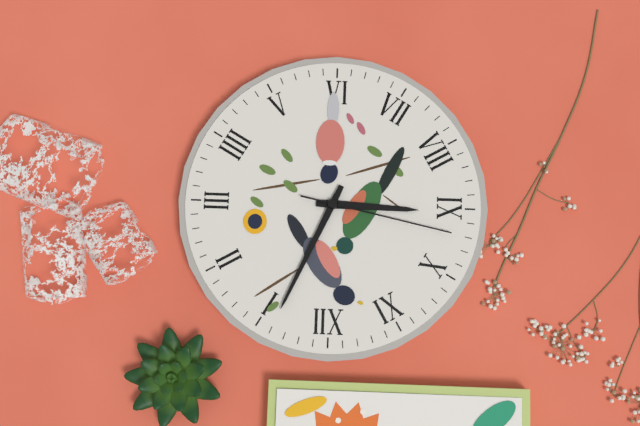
**9:04:47**
